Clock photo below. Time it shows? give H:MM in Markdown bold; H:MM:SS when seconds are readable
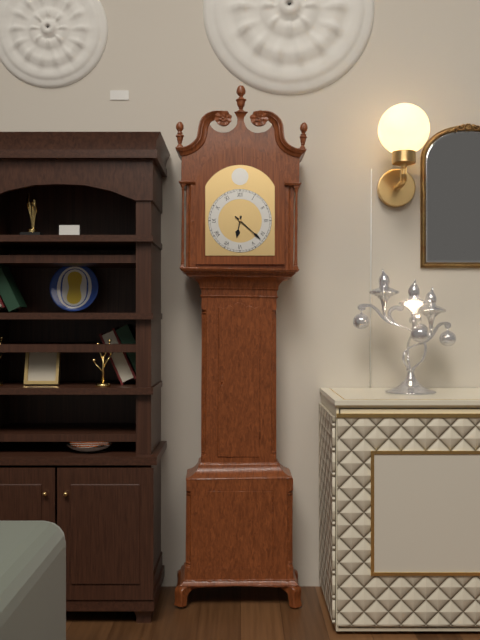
**6:22**
